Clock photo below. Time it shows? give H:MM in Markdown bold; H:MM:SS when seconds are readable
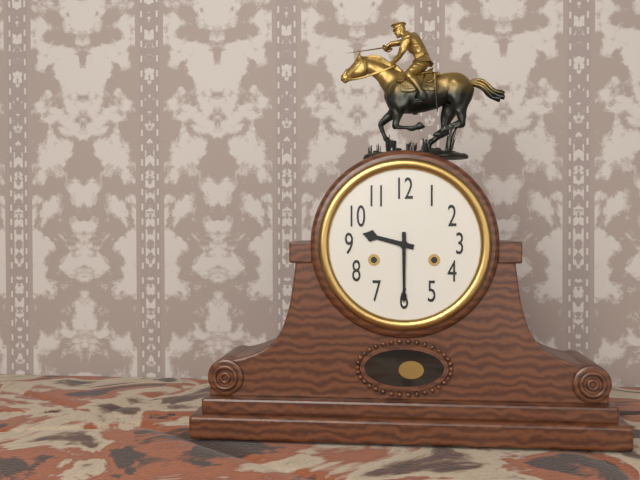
**9:30**
